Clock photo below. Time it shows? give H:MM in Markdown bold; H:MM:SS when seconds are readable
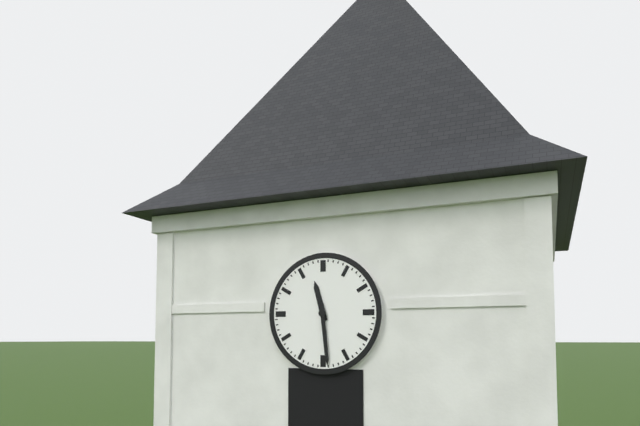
**11:29**
